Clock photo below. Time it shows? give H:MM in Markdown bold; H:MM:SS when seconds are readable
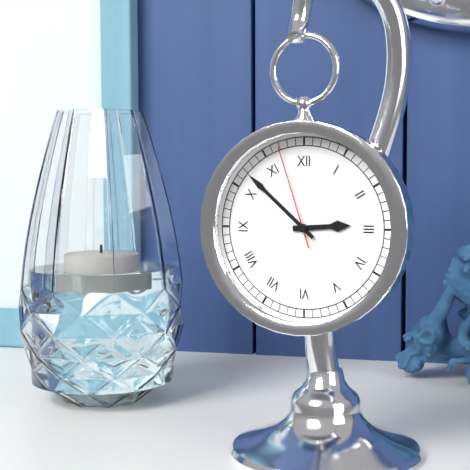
**2:52:57**
